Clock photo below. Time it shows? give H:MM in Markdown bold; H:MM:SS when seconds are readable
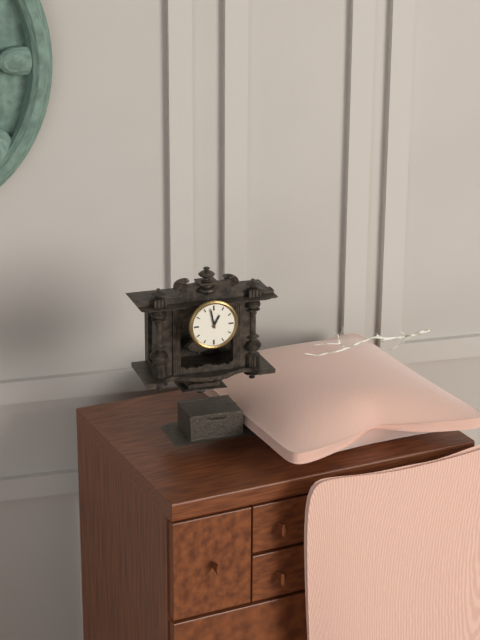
**12:58**
